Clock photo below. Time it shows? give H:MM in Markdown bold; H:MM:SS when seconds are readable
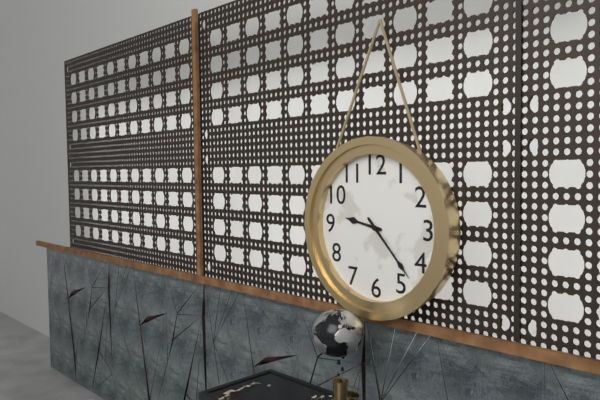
**9:23**
